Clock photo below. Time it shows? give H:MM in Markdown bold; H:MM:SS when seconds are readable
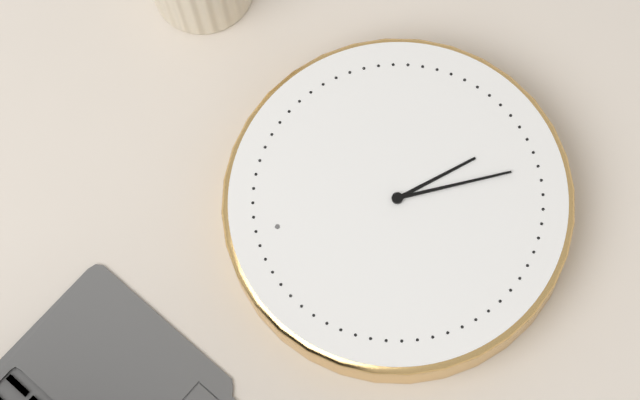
**5:30**
